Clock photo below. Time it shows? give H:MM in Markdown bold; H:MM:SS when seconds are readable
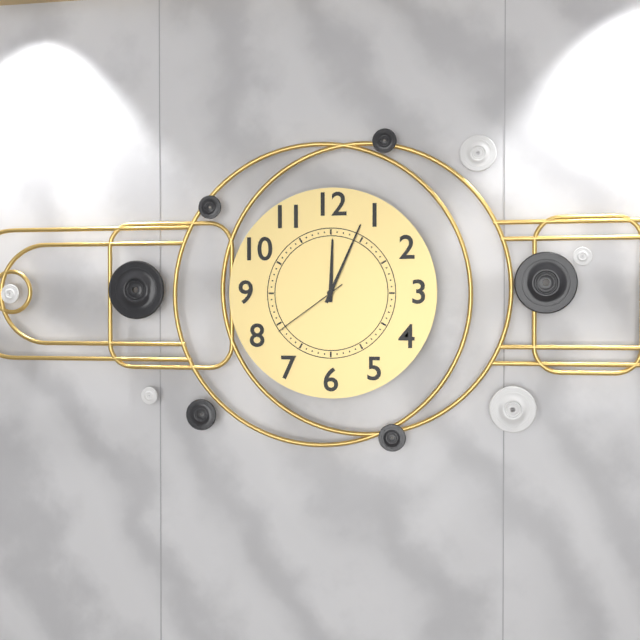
**12:04:39**
